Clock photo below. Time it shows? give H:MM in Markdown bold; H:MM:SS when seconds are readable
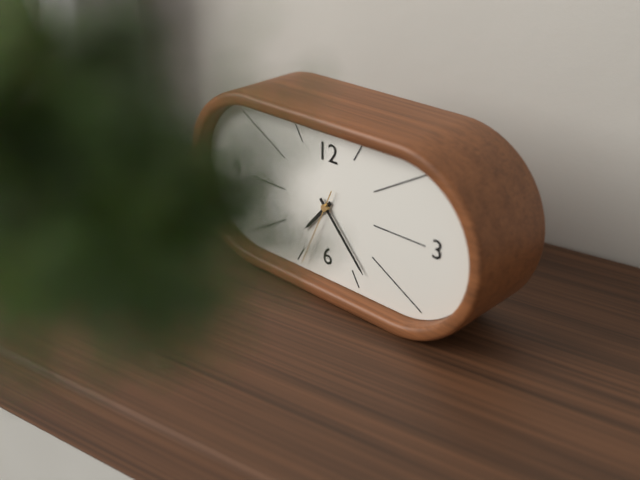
**7:23**
